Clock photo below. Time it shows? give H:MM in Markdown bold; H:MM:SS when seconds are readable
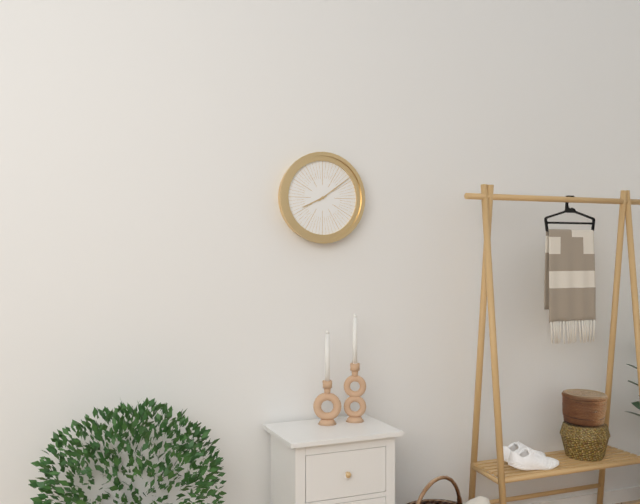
**8:09**
